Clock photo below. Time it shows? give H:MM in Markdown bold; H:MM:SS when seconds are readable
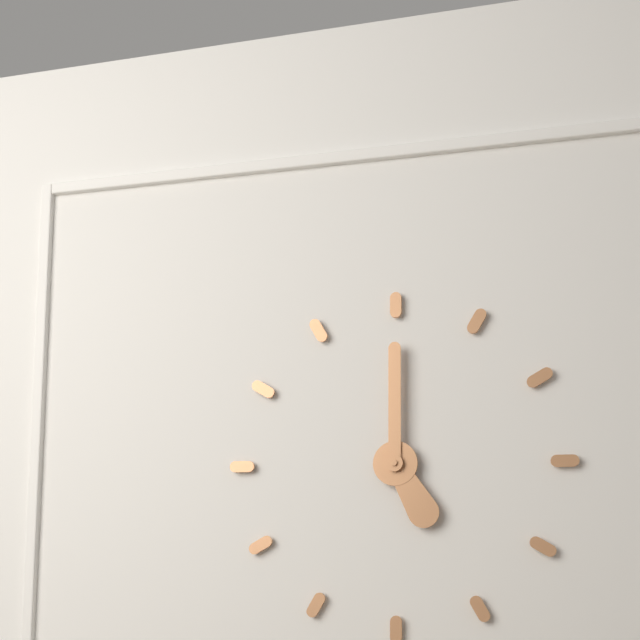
**5:00**
